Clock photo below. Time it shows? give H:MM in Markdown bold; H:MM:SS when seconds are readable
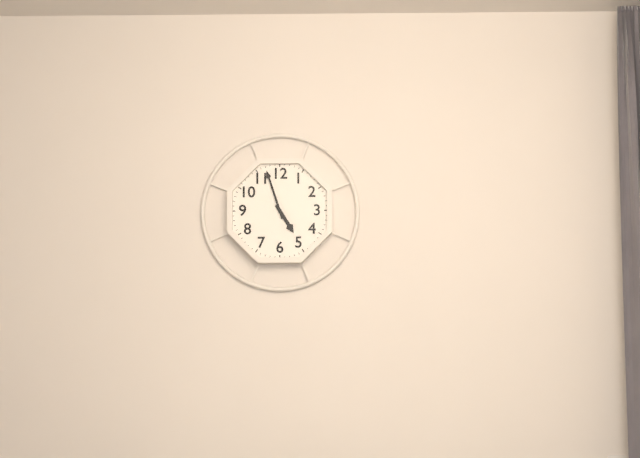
**4:57**
